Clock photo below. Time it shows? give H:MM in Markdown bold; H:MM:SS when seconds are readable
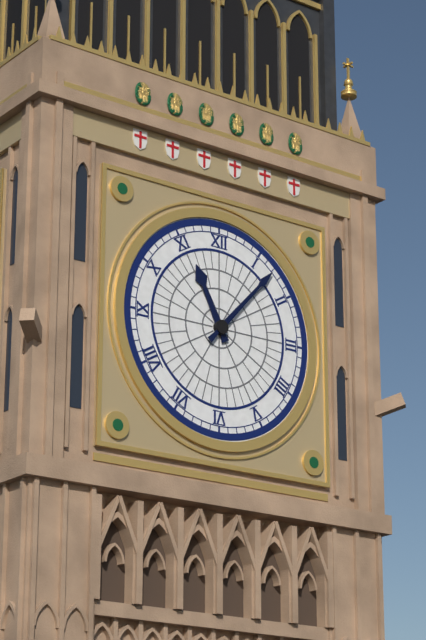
**11:07**
